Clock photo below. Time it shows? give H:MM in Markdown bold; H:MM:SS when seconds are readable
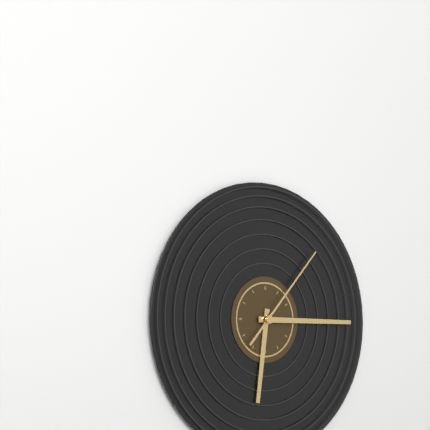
**6:15:07**
